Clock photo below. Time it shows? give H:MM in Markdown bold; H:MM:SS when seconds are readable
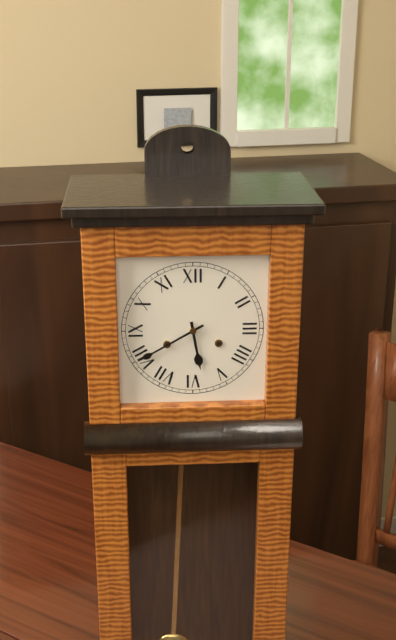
**5:40**
